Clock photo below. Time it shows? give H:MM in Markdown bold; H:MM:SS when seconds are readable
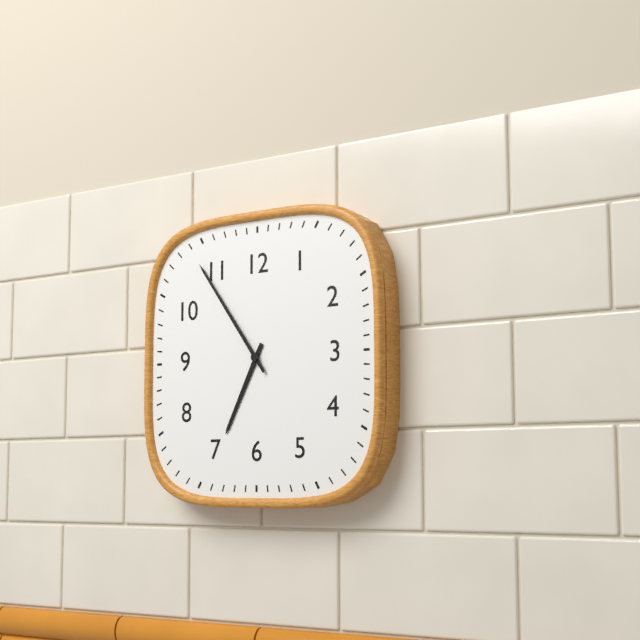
**6:54**
